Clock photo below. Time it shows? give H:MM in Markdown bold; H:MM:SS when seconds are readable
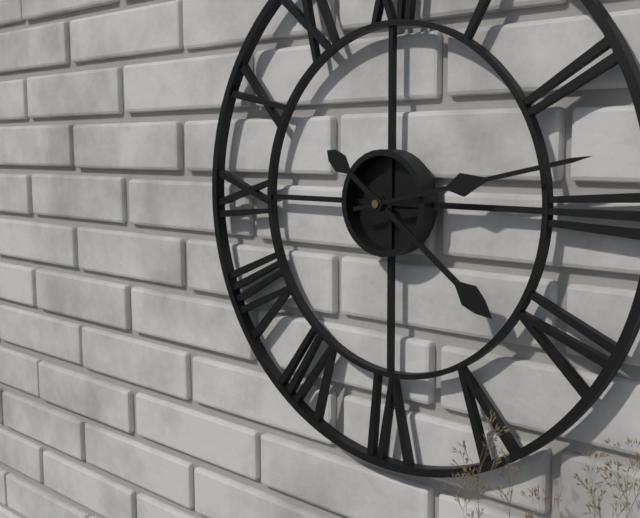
**4:13**
